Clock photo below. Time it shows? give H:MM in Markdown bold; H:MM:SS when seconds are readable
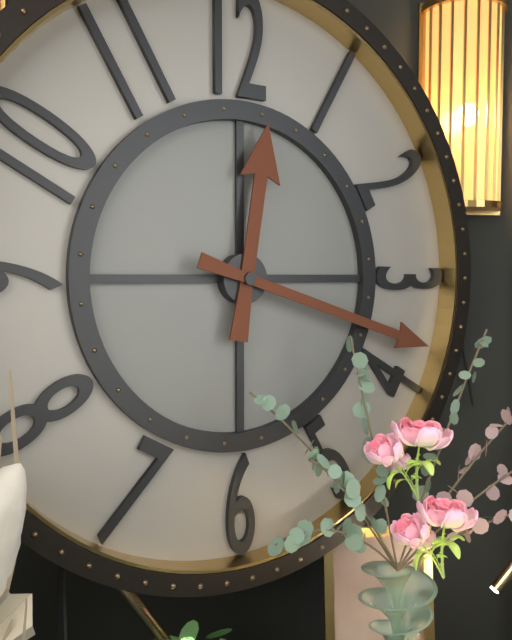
**12:18**
